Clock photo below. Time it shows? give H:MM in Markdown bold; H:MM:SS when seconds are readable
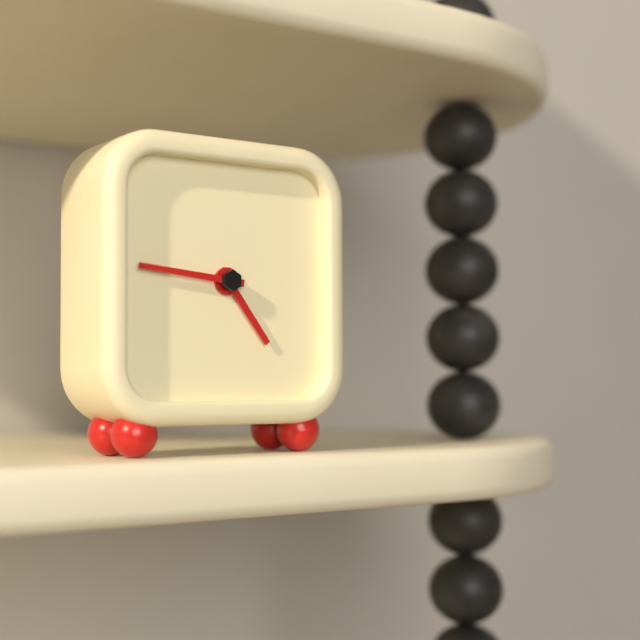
**4:46**
